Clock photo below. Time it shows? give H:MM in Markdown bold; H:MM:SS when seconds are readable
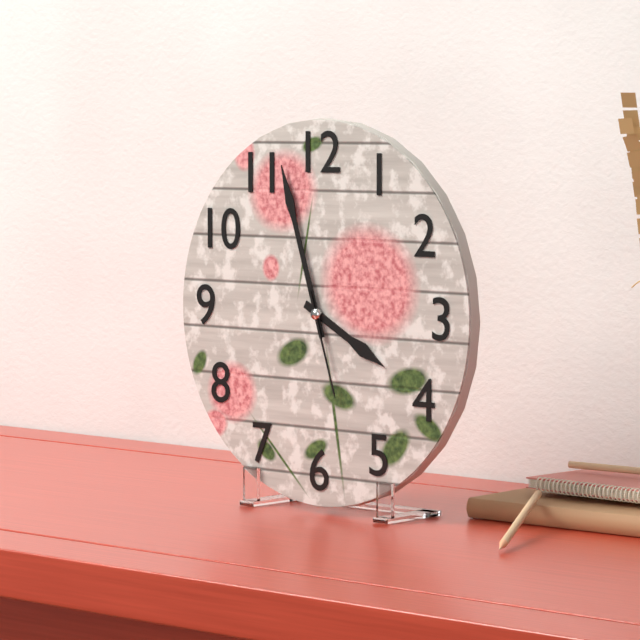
**3:57:27**
